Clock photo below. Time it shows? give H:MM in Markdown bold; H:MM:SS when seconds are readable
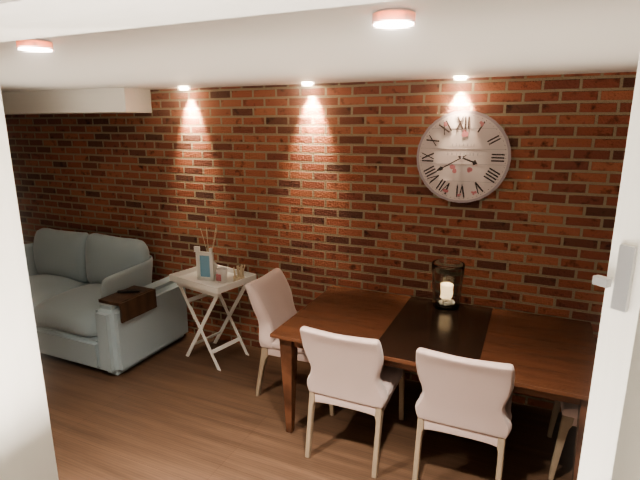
**3:40**
